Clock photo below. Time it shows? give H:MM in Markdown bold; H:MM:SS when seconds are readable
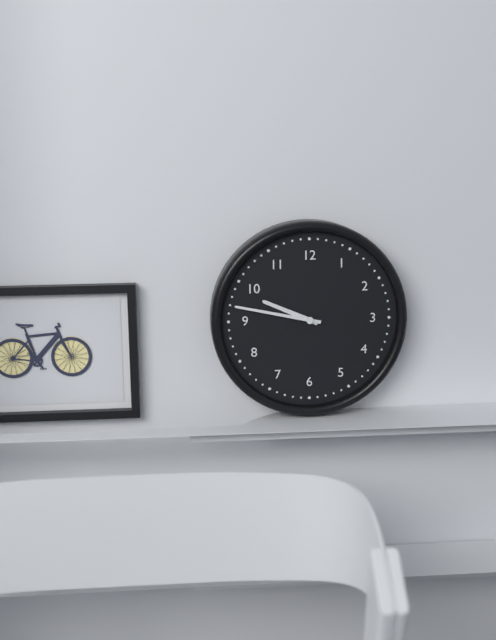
**9:47**
